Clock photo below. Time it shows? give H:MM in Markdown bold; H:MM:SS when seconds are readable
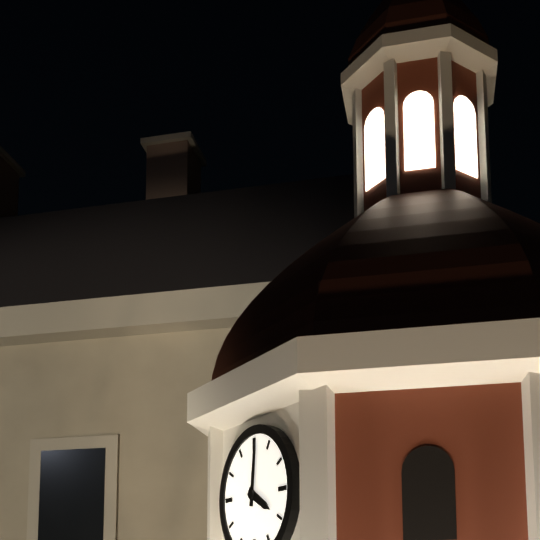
**4:01**
